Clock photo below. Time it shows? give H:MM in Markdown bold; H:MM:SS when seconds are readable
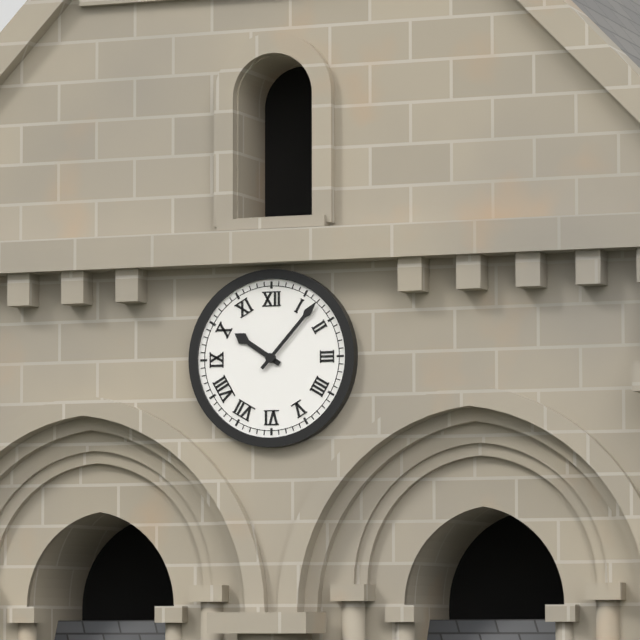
**10:07**
